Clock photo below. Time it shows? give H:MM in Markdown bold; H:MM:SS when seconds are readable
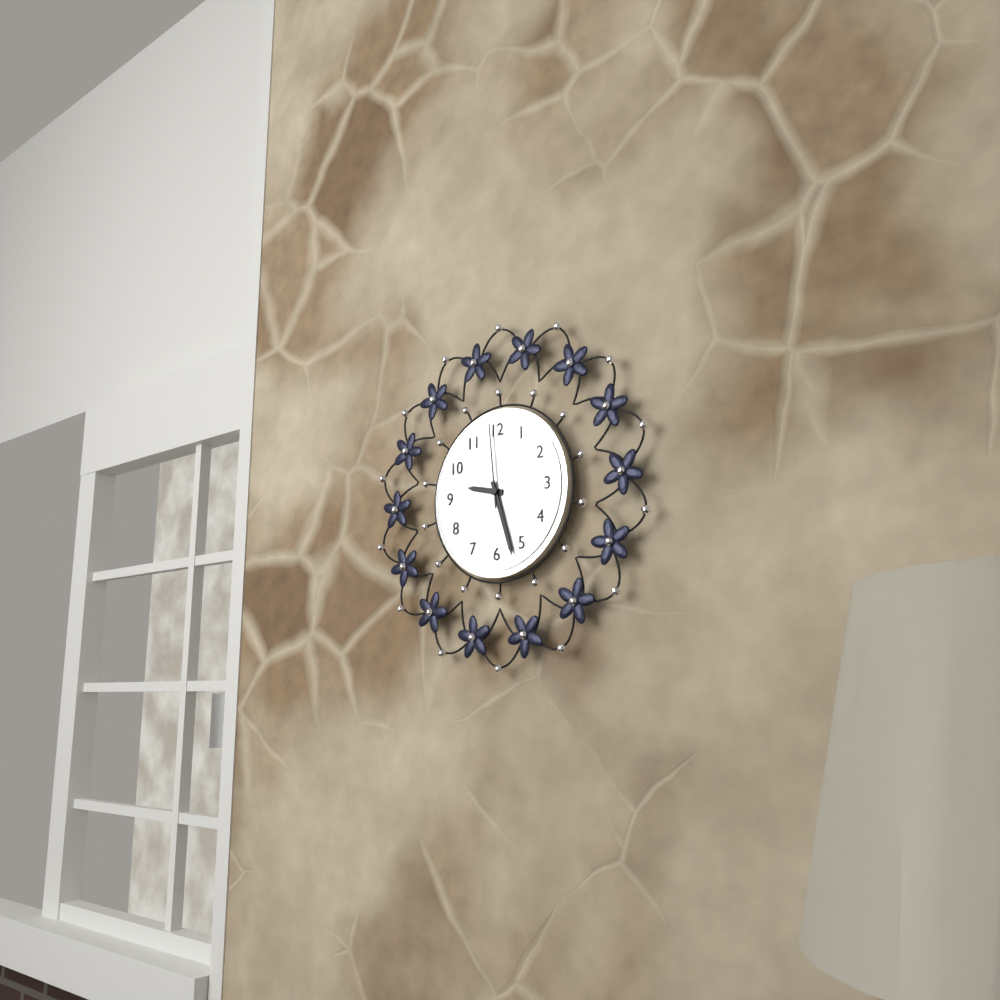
**9:27:59**
